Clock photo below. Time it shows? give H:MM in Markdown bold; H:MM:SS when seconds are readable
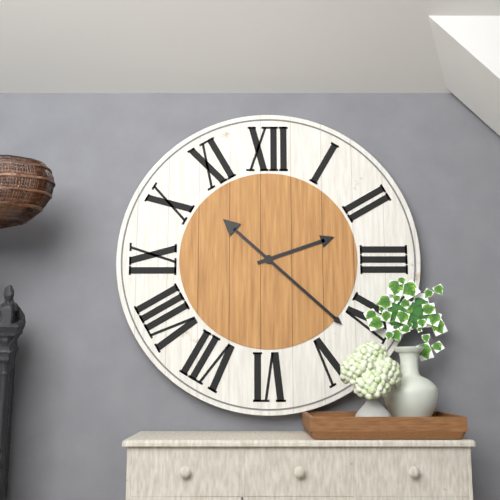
**2:22**
